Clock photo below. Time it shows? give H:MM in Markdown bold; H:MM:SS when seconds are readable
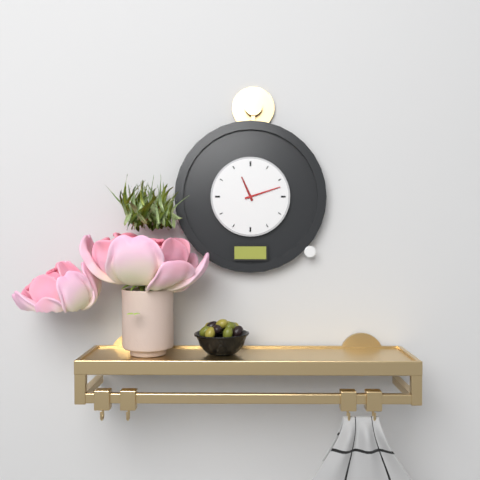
**11:12**
